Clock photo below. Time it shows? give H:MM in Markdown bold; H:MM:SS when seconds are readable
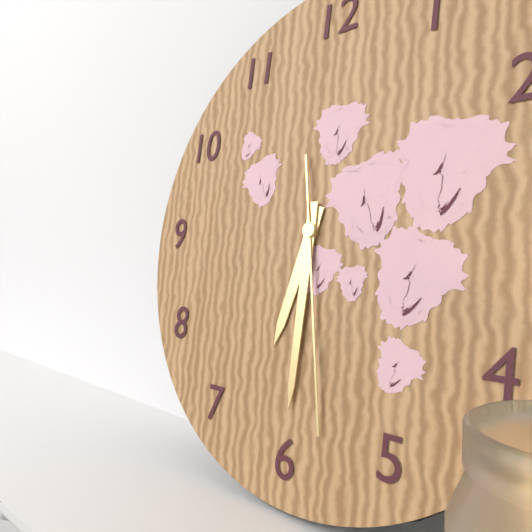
**6:30:28**
